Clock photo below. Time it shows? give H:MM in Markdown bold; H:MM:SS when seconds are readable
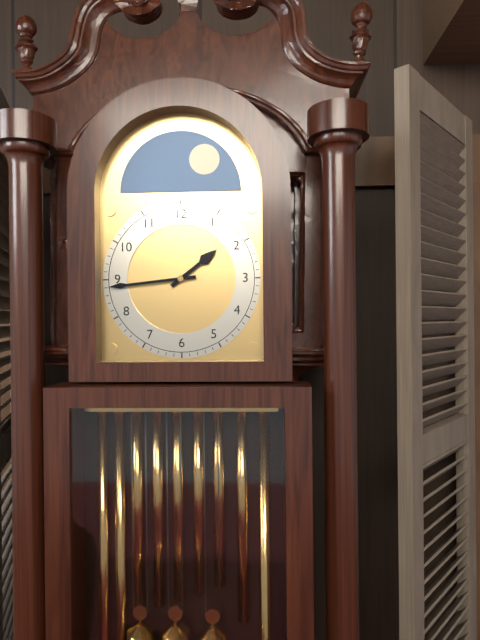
**1:44**
